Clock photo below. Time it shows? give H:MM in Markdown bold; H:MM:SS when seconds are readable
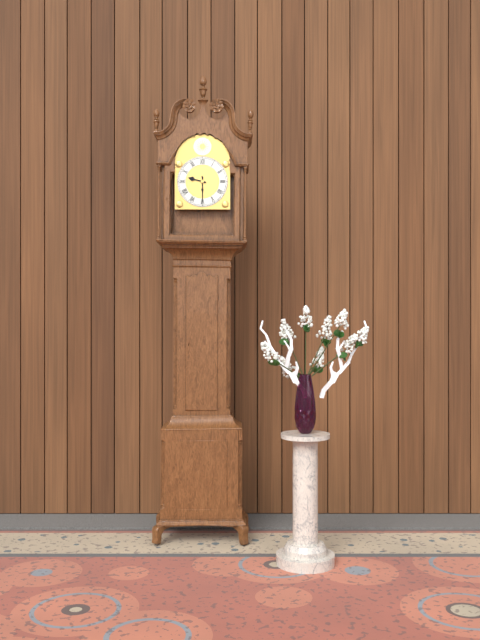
**9:30**
